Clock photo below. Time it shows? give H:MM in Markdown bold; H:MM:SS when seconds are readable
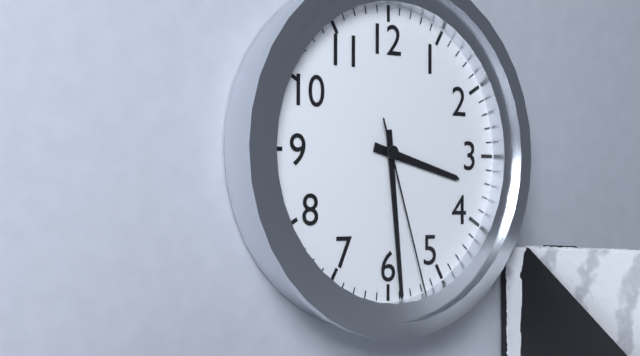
**3:29:27**
